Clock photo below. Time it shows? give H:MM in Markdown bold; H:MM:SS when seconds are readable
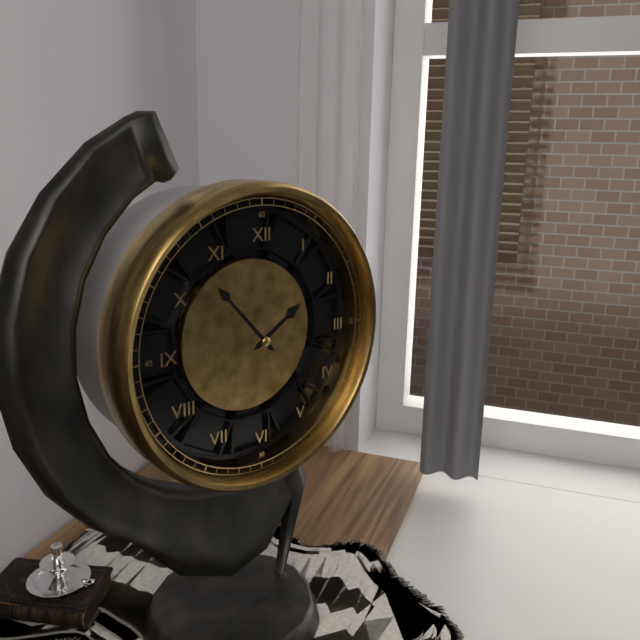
**1:53**
